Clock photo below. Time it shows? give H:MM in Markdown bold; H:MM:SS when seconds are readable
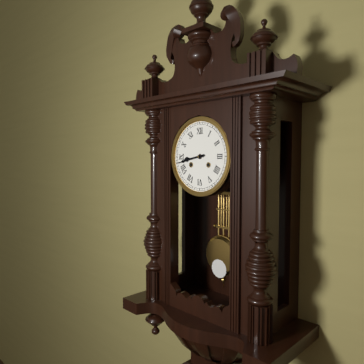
**8:43**
